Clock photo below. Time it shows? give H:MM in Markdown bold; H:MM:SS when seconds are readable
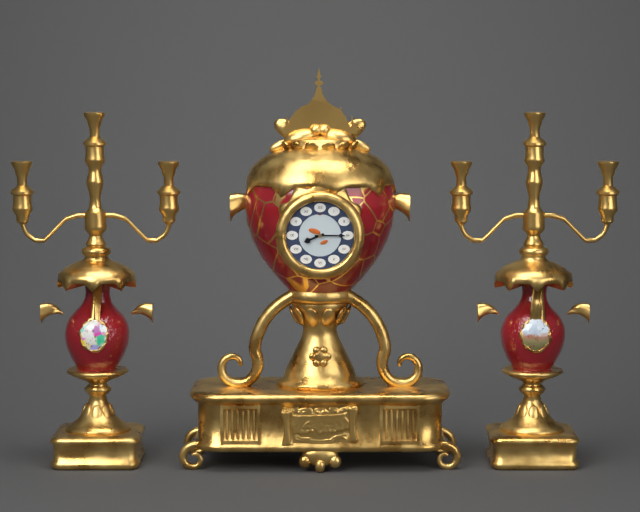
**8:15**
